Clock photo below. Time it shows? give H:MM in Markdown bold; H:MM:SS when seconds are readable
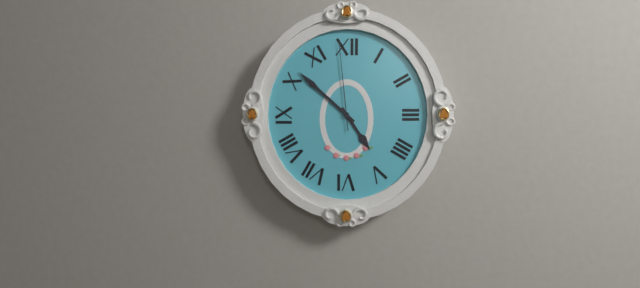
**4:52:59**
